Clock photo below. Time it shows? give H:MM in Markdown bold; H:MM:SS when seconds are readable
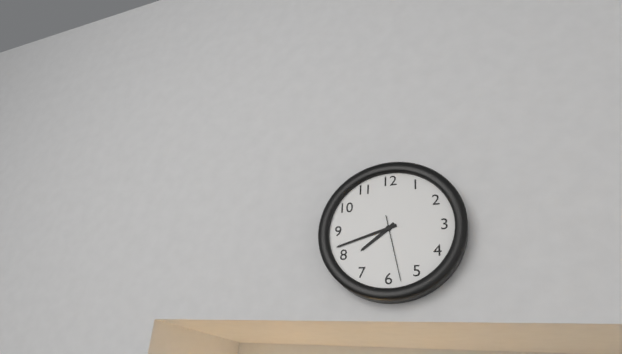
**7:42:28**
